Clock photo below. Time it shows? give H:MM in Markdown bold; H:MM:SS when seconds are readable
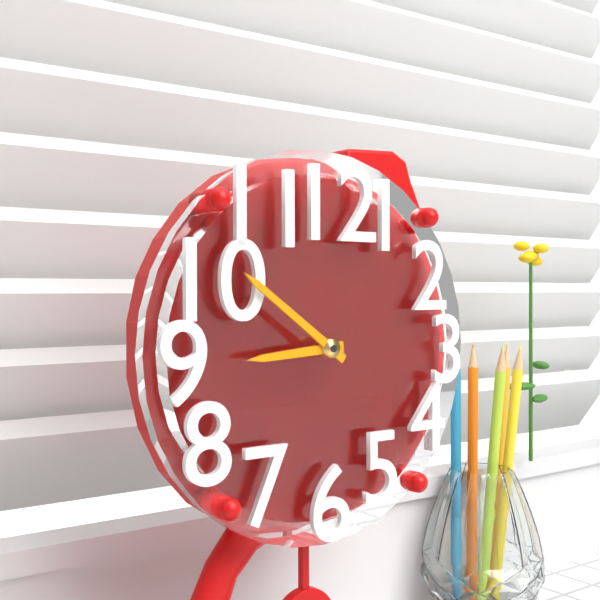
**8:51**
